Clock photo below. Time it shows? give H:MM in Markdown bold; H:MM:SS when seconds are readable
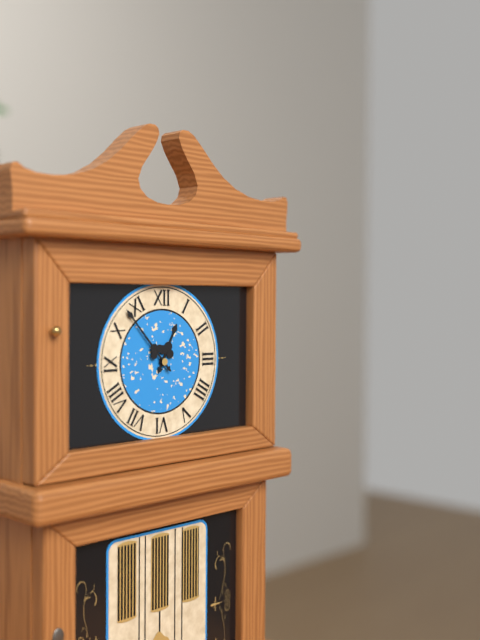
**12:53**
